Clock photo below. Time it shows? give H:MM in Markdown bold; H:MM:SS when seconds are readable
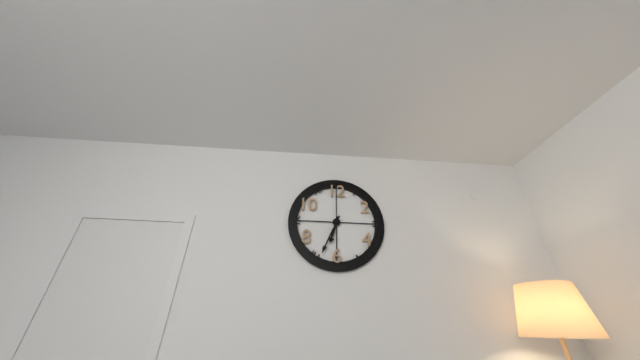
**6:34**
